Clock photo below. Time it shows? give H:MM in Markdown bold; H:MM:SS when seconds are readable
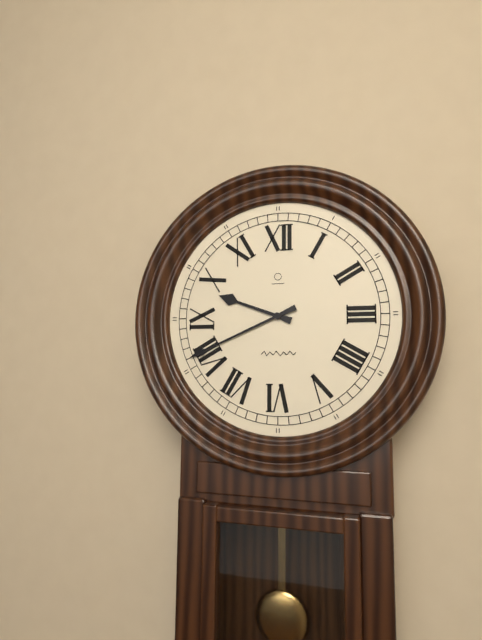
**9:41**
